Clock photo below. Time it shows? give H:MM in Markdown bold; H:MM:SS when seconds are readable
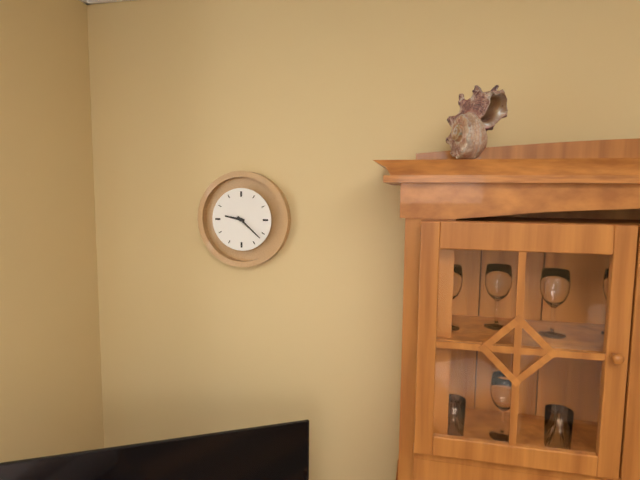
**9:22**
